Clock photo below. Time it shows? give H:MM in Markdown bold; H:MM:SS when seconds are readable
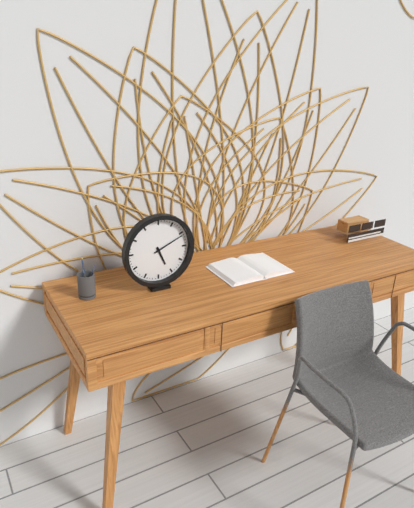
**5:11**
